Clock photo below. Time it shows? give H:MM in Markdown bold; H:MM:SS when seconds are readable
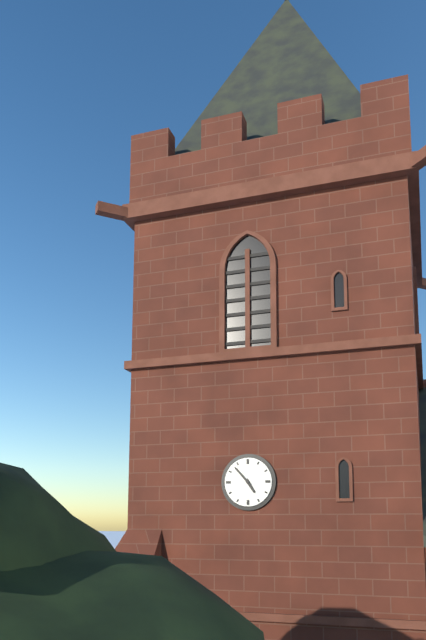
**4:53**
